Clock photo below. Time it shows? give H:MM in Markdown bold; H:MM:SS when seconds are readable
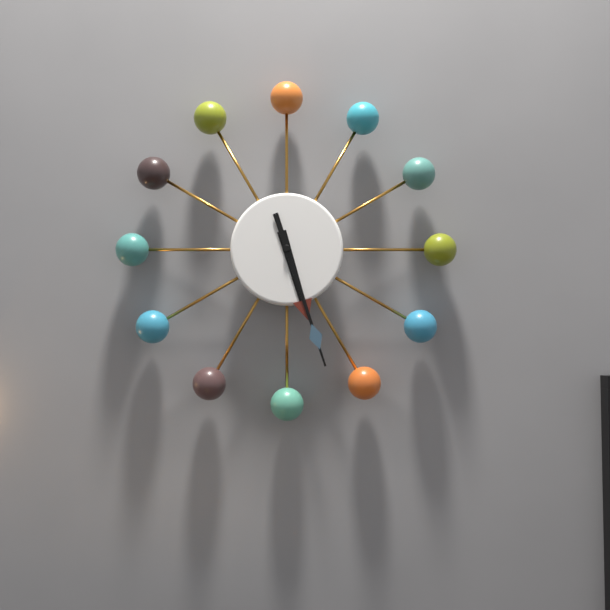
**5:27**
